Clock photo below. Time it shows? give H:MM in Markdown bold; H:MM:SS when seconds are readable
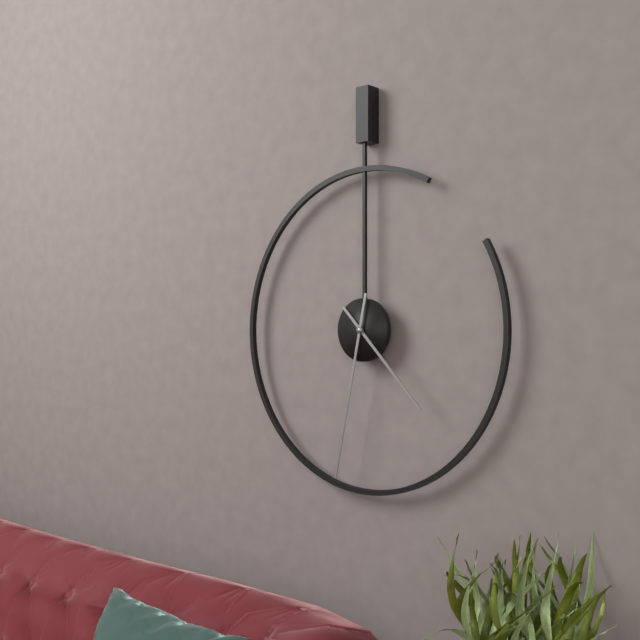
**4:32**
